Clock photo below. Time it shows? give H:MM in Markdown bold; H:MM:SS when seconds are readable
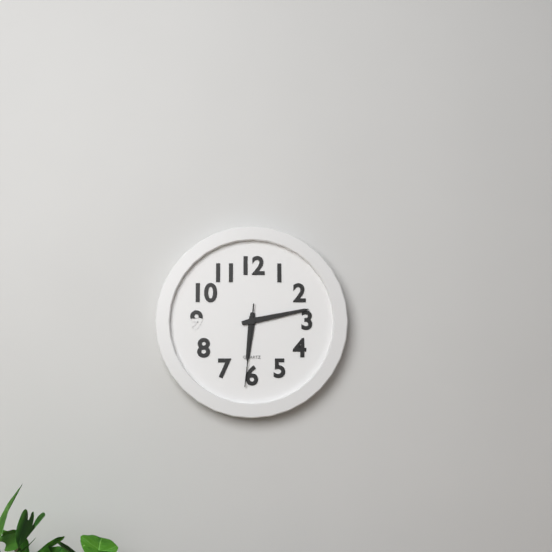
**6:13:31**
